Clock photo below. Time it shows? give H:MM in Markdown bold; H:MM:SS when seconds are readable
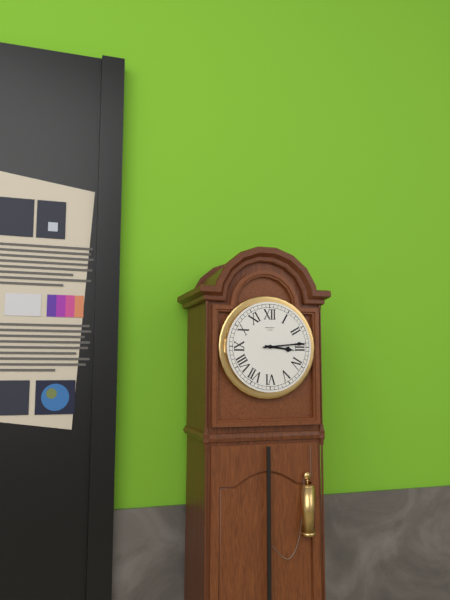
**3:14**
